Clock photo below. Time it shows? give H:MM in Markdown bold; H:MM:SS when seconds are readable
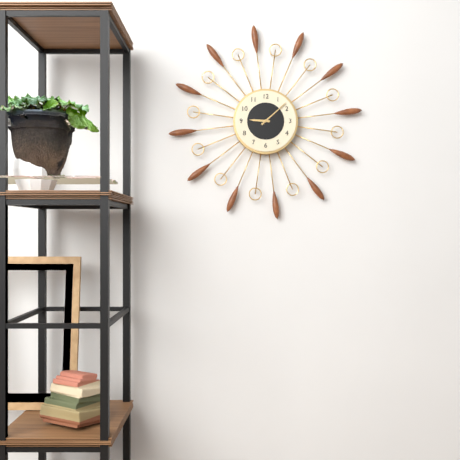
**9:08**
